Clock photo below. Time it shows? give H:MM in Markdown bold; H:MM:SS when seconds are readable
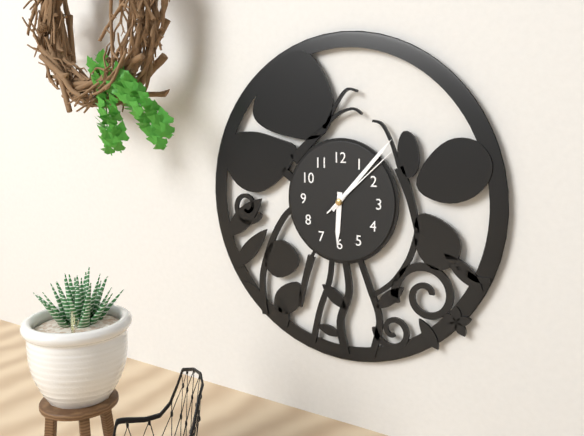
**6:07:08**
